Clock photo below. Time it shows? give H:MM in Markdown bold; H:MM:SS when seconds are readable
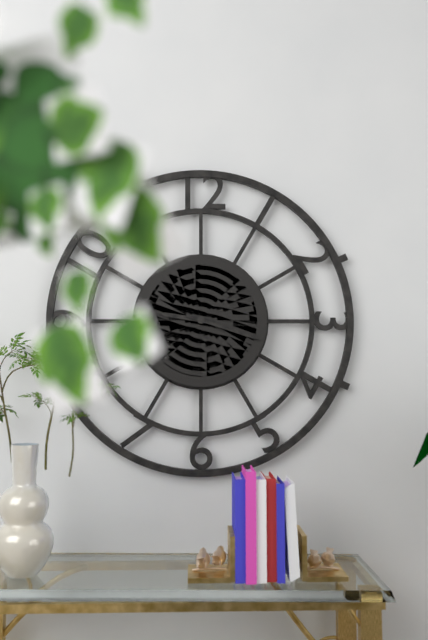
**9:18**
